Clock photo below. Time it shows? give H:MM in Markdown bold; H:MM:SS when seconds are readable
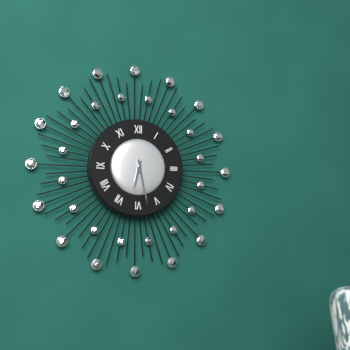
**6:28**
